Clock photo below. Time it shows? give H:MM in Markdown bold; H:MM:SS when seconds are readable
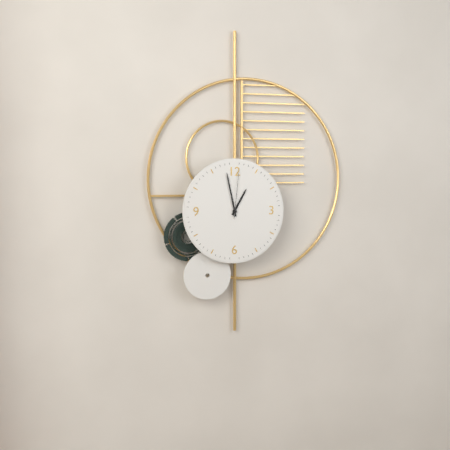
**12:58:01**
